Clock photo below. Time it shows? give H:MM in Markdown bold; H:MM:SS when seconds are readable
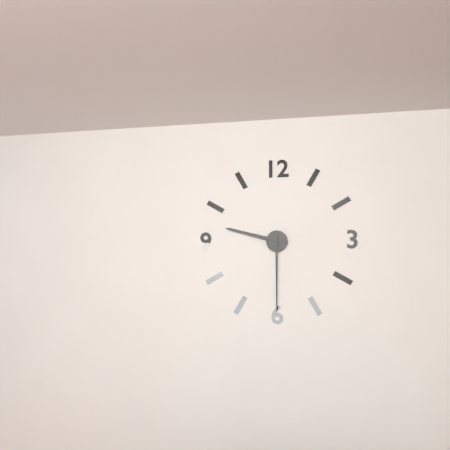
**9:30**
